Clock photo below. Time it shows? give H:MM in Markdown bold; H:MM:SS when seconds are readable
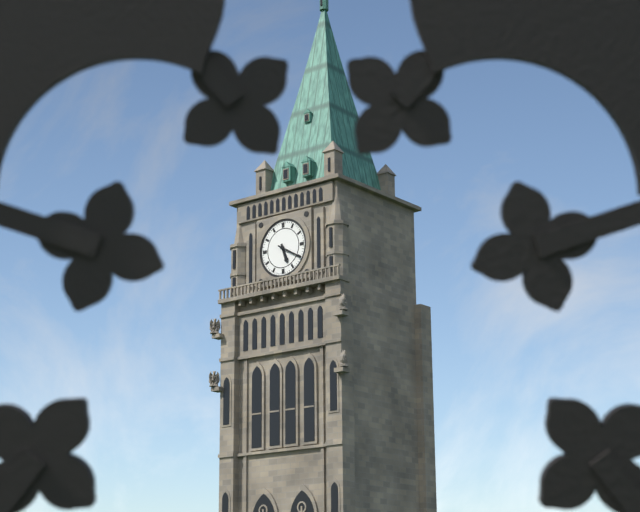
**5:20**
